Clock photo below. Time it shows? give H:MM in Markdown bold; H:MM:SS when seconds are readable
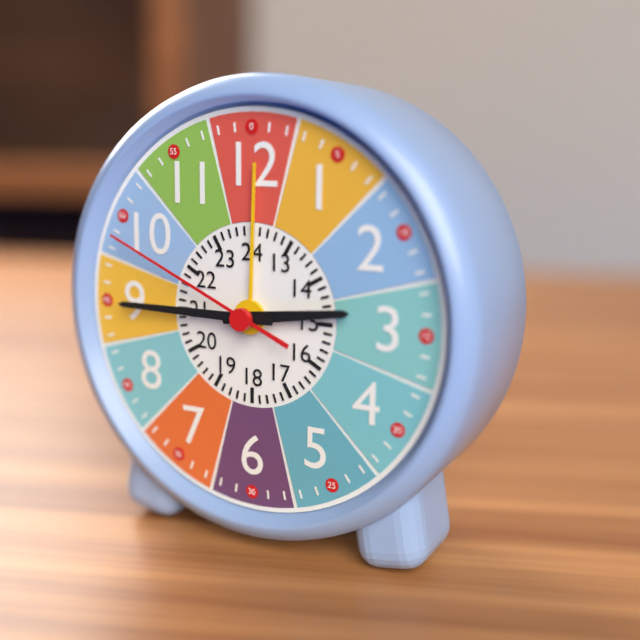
**2:45:49**
